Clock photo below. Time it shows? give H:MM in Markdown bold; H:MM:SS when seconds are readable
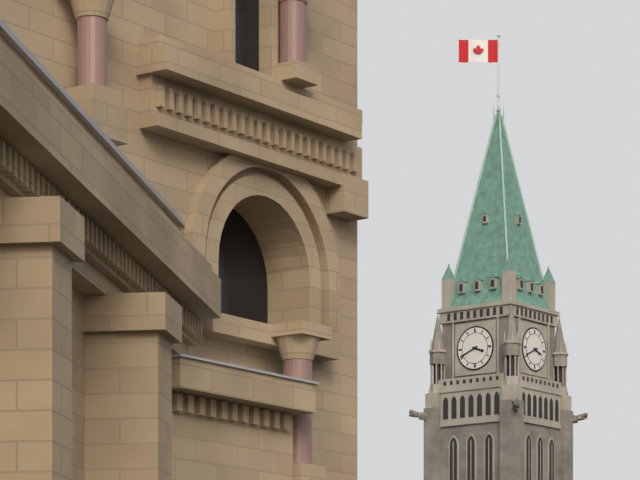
**3:41**
